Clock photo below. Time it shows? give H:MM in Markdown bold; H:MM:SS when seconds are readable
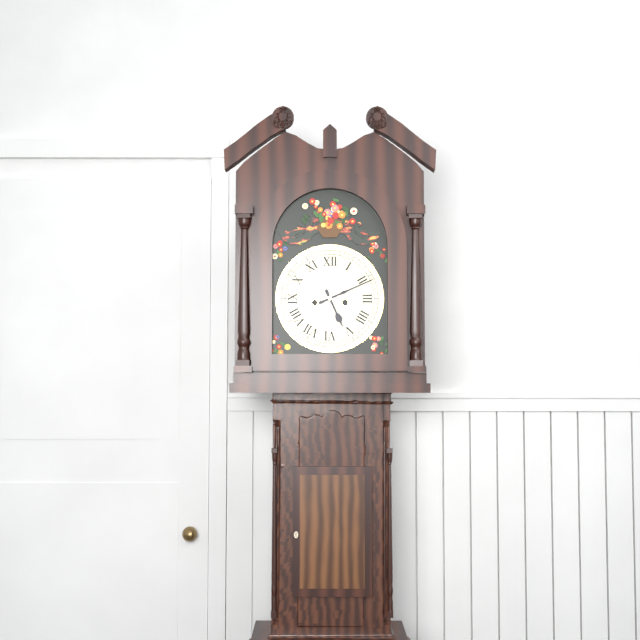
**5:11**
